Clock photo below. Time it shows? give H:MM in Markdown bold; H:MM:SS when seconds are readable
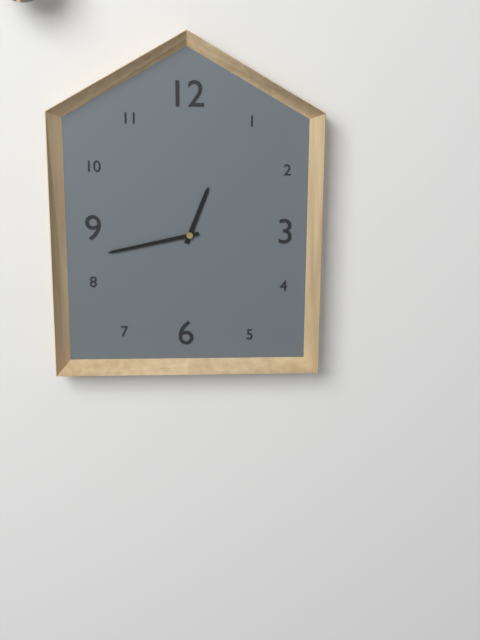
**12:43**
